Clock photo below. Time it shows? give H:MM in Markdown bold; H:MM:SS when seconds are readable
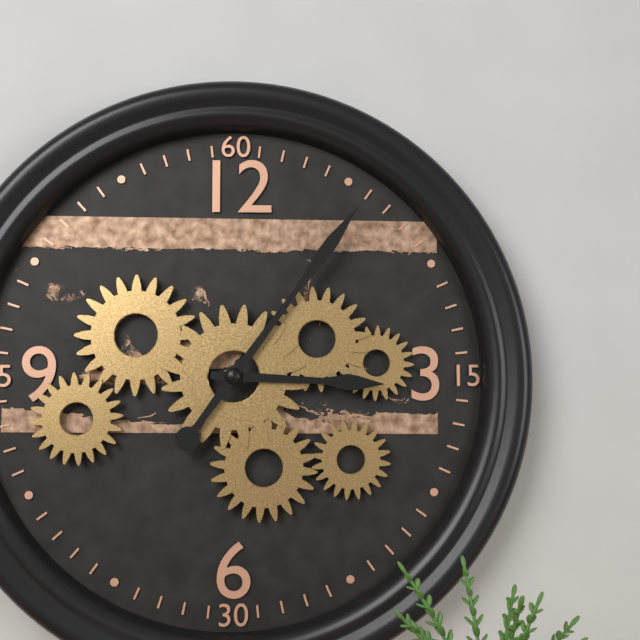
**3:06**
